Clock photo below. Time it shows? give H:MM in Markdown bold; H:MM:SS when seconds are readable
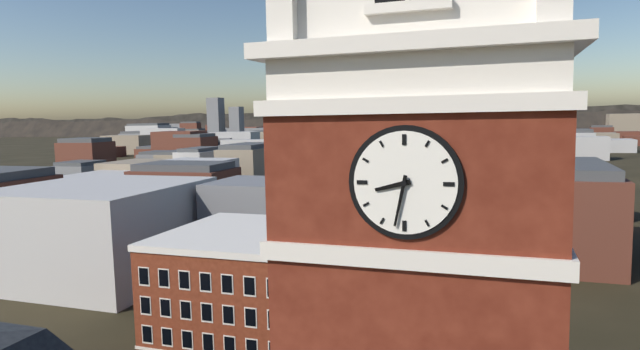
**8:32**
